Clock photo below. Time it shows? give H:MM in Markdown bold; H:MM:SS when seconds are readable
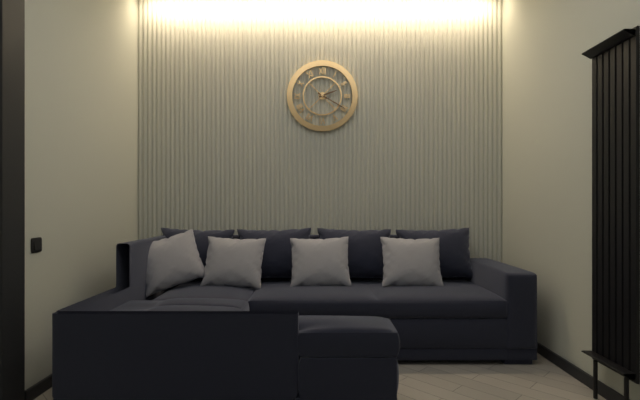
**2:20**
